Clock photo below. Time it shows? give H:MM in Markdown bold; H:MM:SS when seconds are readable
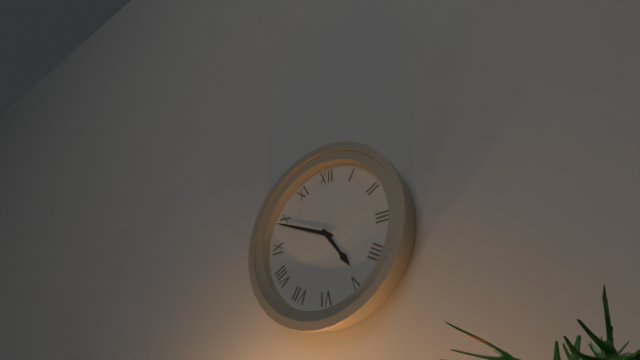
**4:49**
